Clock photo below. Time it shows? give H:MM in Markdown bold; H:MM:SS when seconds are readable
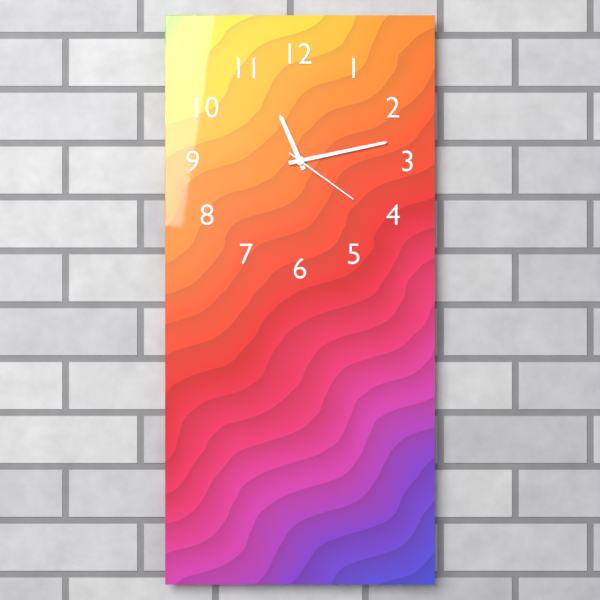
**11:13:21**
